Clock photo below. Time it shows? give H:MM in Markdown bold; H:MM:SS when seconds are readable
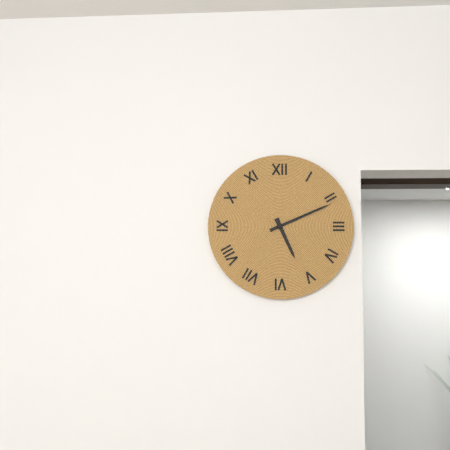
**5:11**
